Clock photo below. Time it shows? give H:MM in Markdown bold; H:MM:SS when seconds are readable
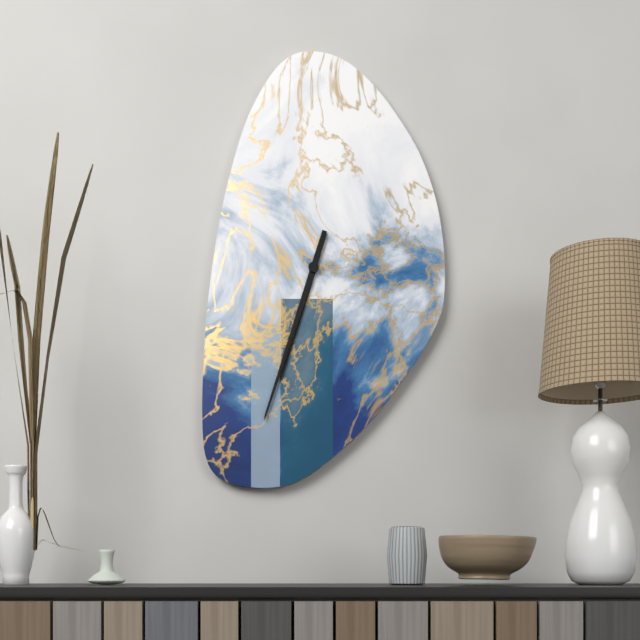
**6:33**
